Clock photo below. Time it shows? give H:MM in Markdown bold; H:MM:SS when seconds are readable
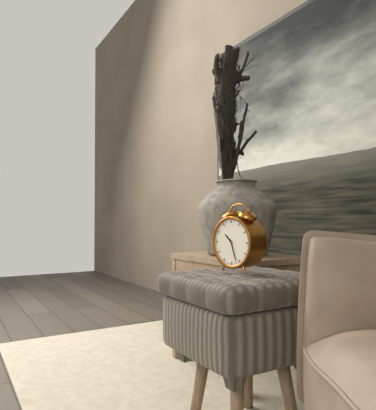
**10:27**
